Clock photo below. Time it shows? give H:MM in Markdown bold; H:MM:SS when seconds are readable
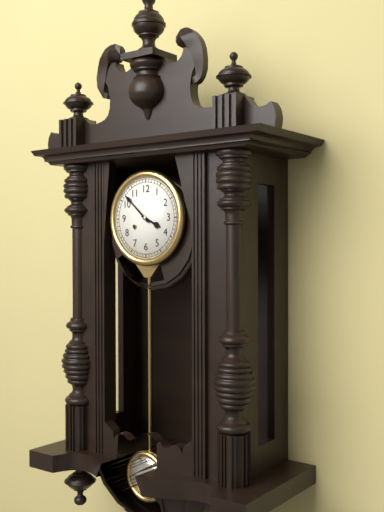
**3:52**
